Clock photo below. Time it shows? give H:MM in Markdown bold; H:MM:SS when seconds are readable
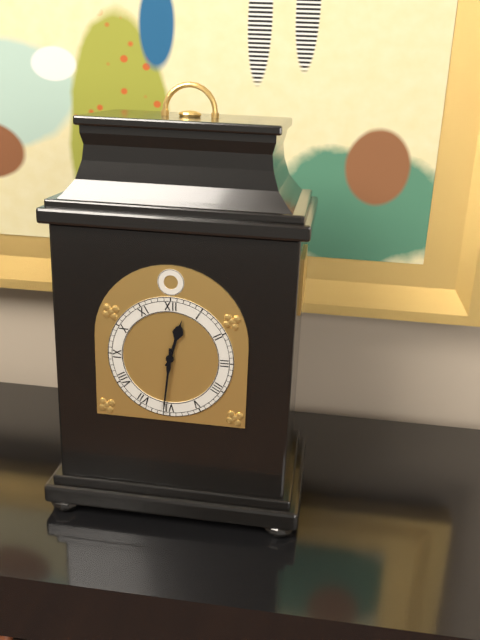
**12:31**
